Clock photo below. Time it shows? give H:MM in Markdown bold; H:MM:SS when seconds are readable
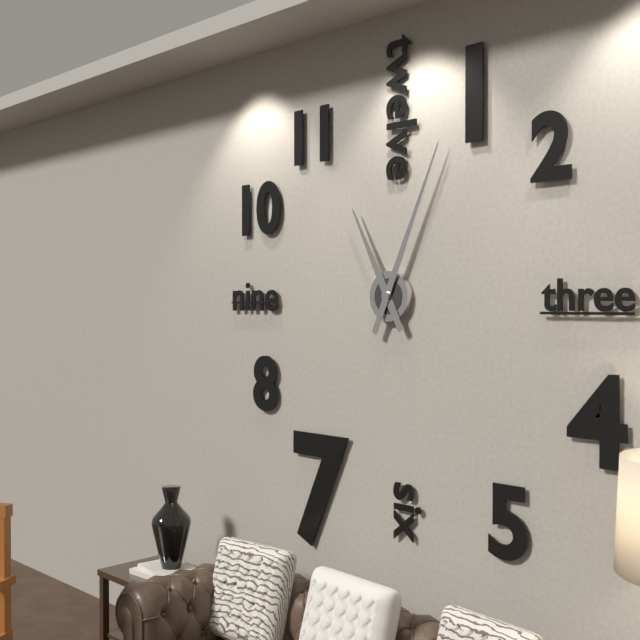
**11:04**
